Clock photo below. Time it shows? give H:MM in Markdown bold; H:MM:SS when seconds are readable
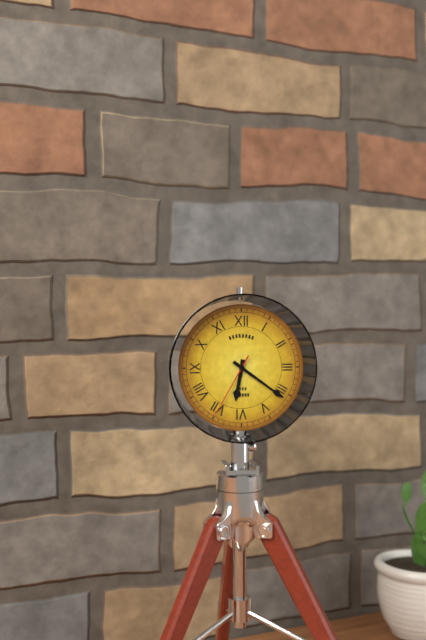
**6:21:35**
